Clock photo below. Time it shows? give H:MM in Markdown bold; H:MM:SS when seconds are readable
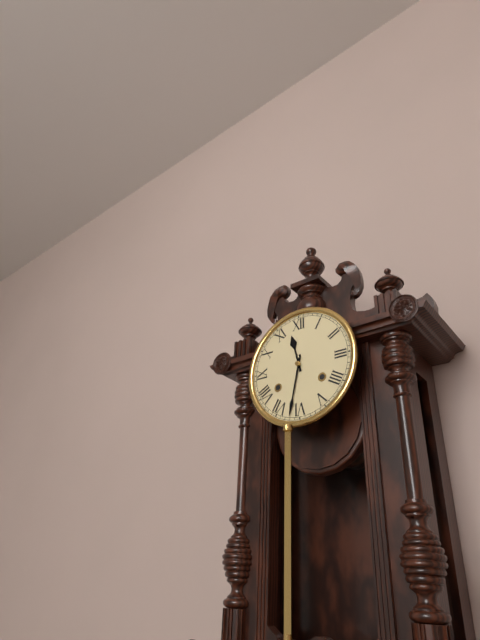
**11:32**
